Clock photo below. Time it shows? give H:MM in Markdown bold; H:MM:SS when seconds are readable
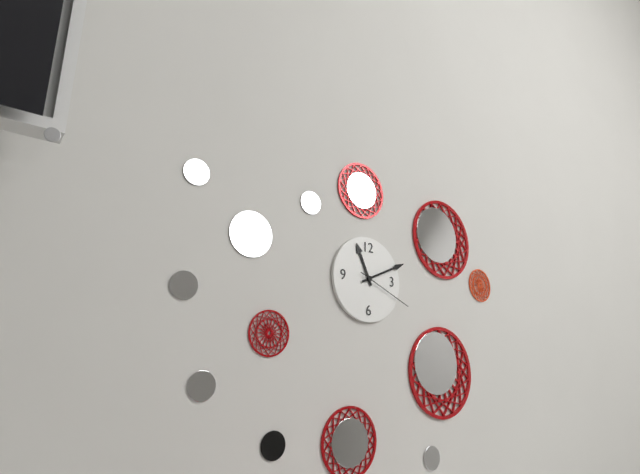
**11:11:19**
